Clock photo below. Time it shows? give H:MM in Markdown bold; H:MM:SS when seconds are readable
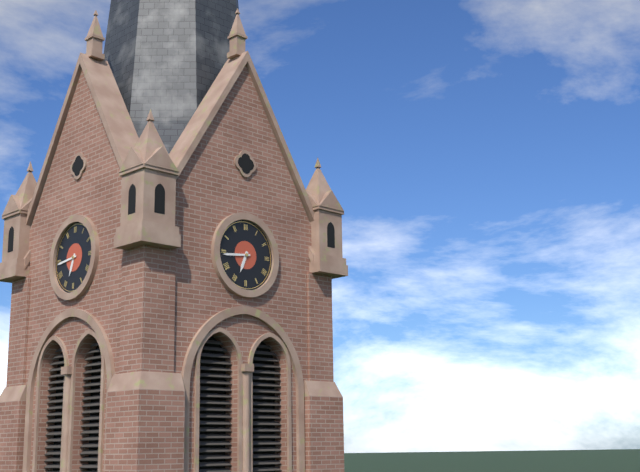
**6:44**
